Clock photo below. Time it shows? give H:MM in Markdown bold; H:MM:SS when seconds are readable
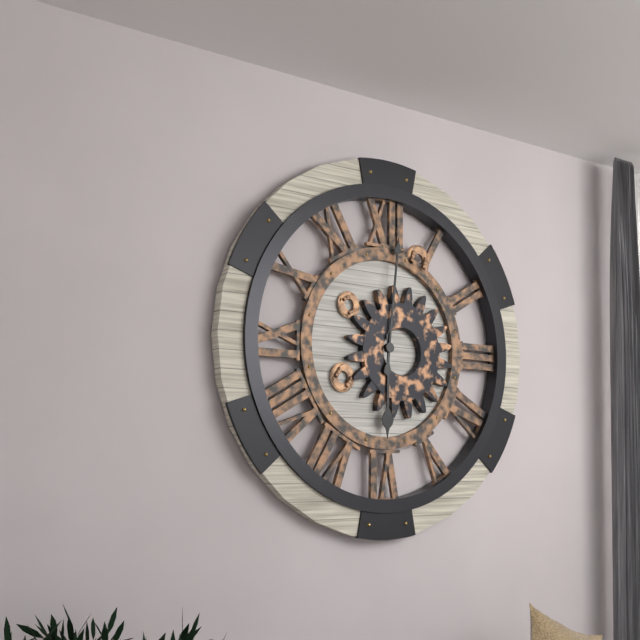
**6:01**
